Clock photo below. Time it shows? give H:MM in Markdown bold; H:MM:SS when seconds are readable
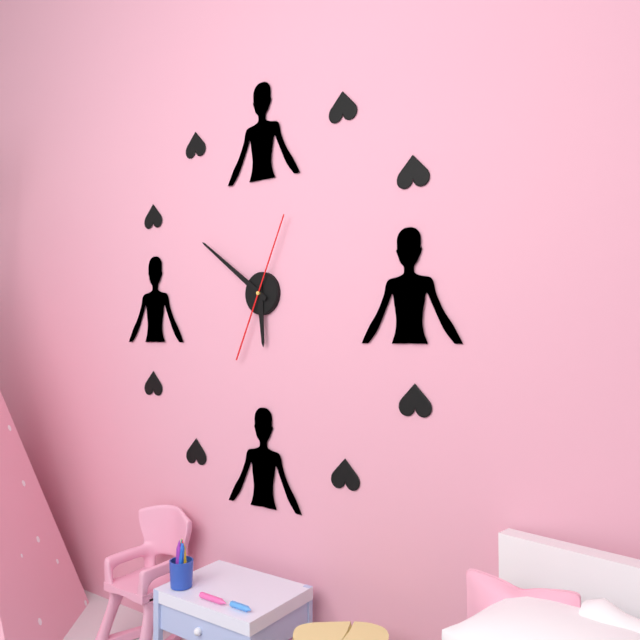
**5:51:04**
